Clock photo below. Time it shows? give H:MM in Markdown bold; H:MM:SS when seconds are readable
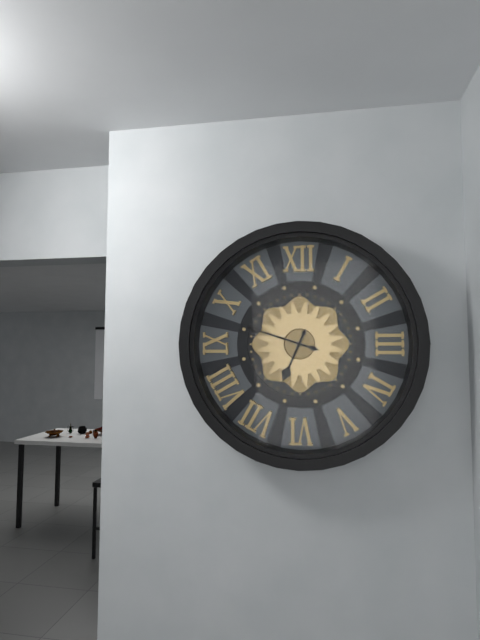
**6:48**
